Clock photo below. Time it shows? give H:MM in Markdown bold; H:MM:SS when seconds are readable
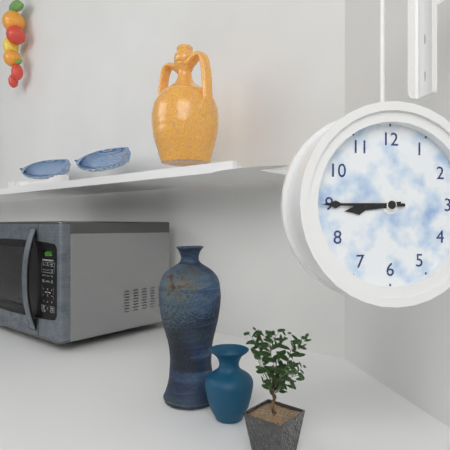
**8:45**
